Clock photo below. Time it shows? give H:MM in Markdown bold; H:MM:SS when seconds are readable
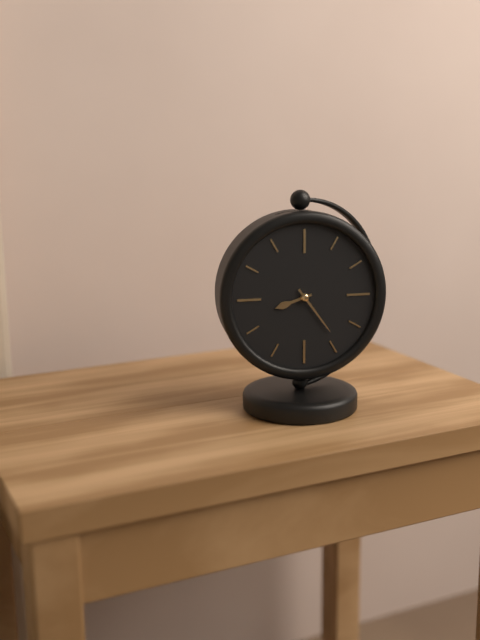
**8:24**
